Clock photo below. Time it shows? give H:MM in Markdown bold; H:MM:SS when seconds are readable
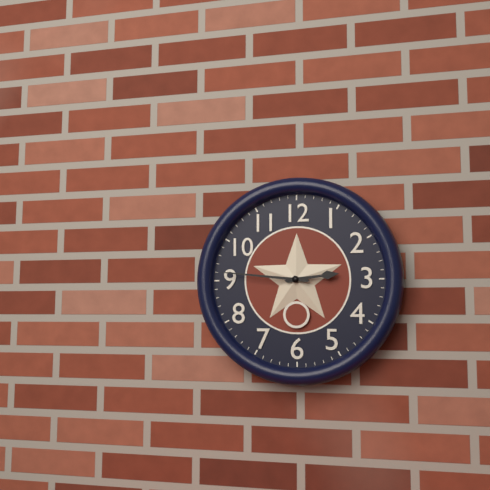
**2:46**
